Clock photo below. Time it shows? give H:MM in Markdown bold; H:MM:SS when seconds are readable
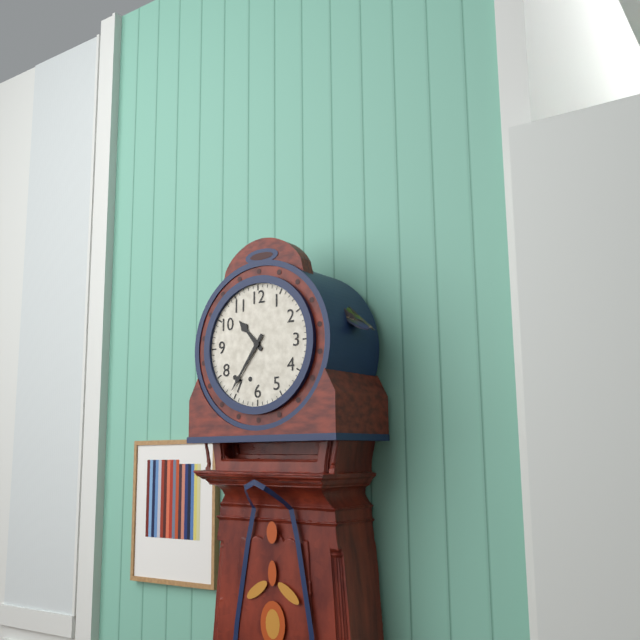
**10:36**
